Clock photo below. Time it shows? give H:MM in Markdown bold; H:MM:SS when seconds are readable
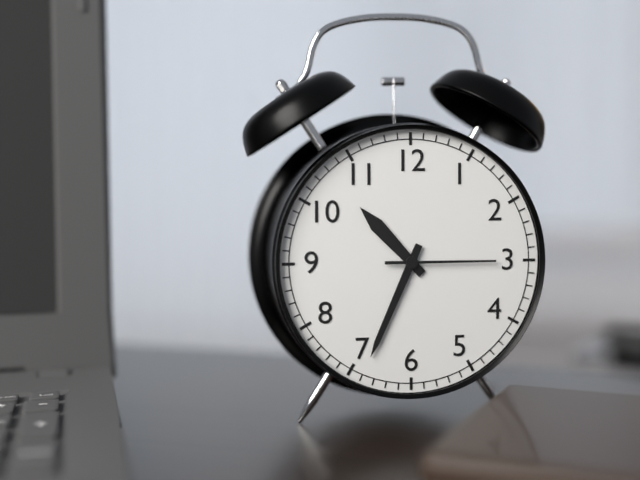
**10:34:15**
